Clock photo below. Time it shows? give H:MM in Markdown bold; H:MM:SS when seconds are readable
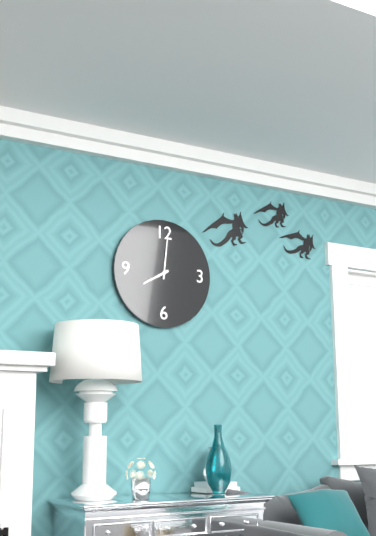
**8:01**
